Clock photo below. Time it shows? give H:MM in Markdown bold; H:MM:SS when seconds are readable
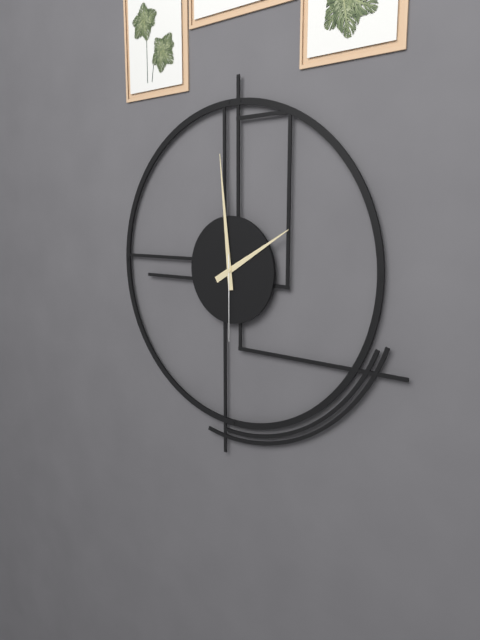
**1:59:30**
